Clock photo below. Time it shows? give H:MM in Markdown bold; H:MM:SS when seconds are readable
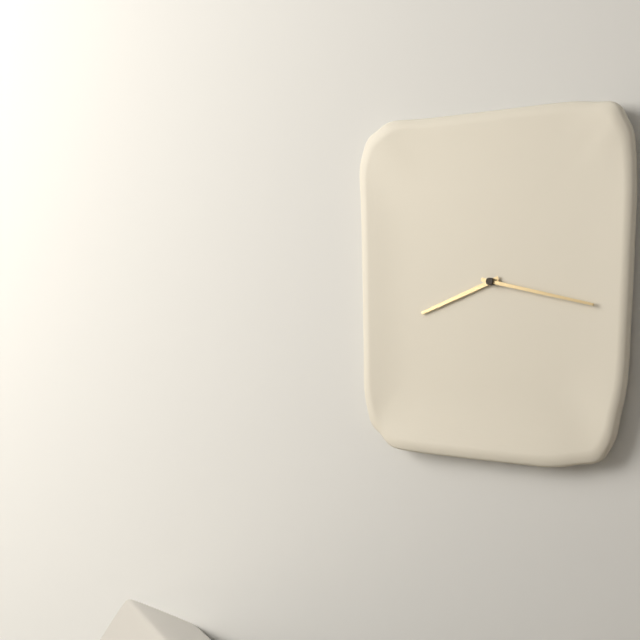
**8:17**
